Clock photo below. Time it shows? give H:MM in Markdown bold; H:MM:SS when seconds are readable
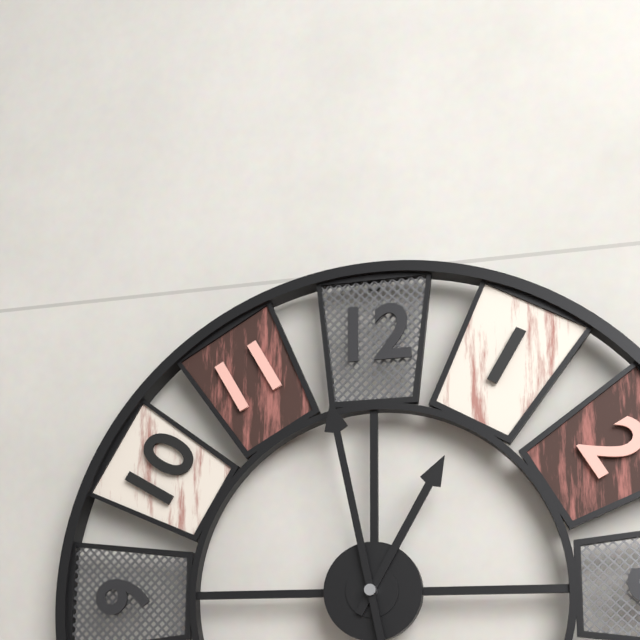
**12:58**
